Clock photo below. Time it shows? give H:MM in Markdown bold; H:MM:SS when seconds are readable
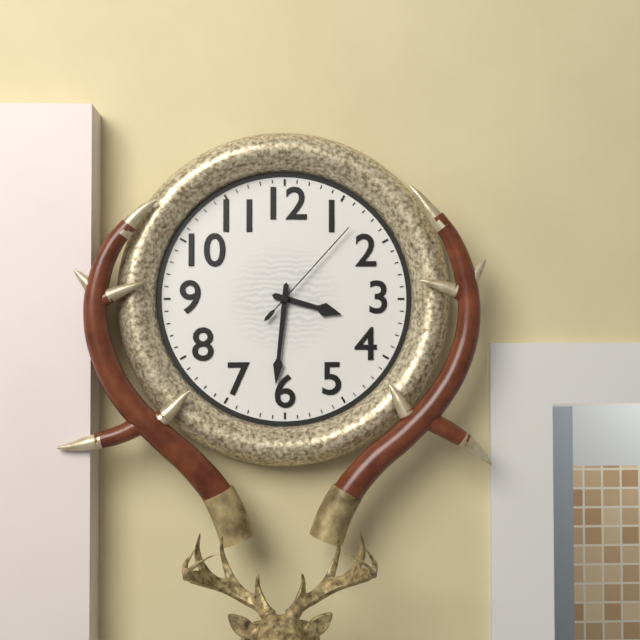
**3:31:07**
